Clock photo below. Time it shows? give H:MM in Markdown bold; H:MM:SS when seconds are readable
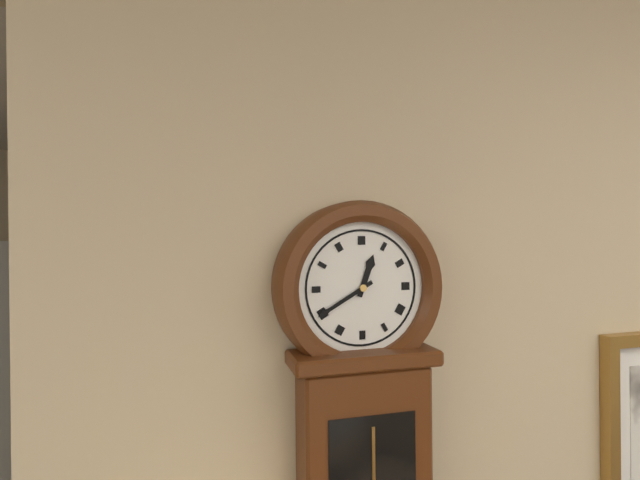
**12:40**
